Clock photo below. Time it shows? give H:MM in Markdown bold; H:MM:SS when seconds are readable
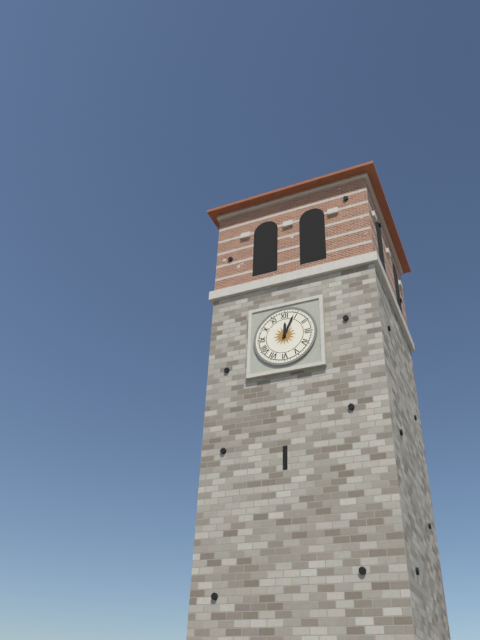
**12:04**
